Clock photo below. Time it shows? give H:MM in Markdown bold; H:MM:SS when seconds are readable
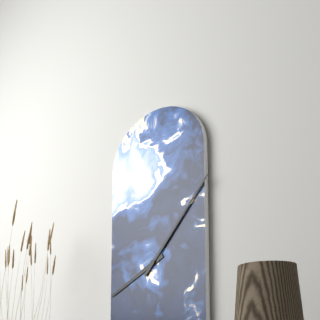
**8:07**
